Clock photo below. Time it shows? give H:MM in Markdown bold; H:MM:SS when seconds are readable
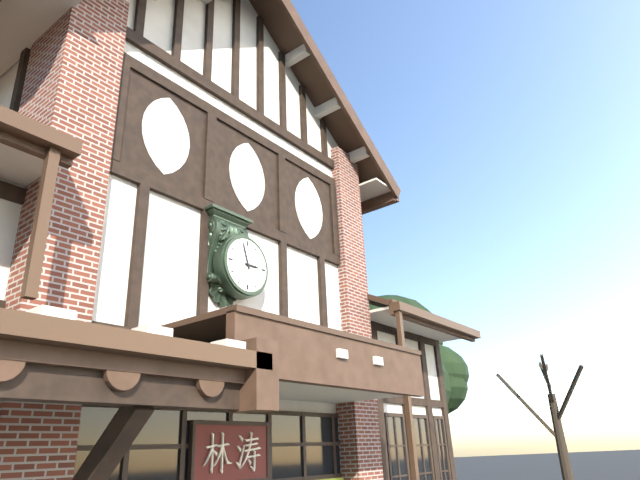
**2:57**
